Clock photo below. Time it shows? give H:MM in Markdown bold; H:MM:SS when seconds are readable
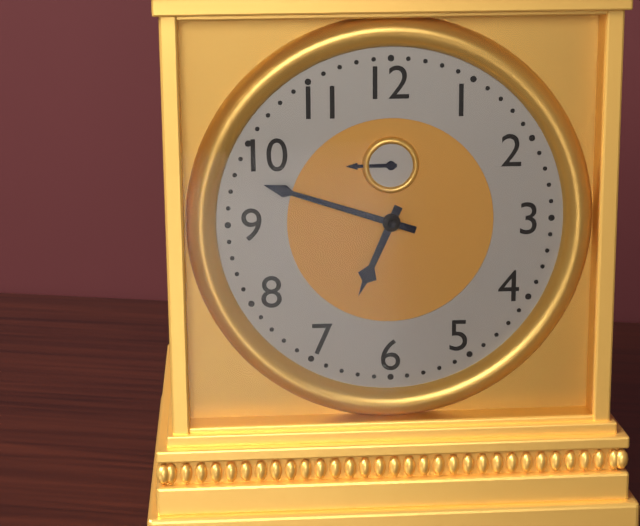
**6:48**
